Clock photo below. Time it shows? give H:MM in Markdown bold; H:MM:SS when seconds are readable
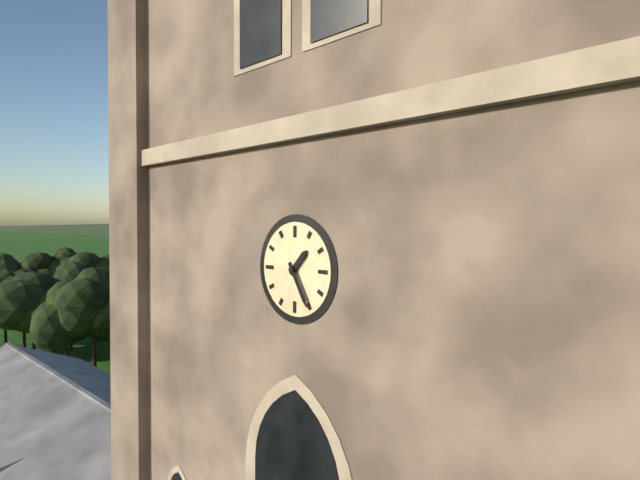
**1:25**
